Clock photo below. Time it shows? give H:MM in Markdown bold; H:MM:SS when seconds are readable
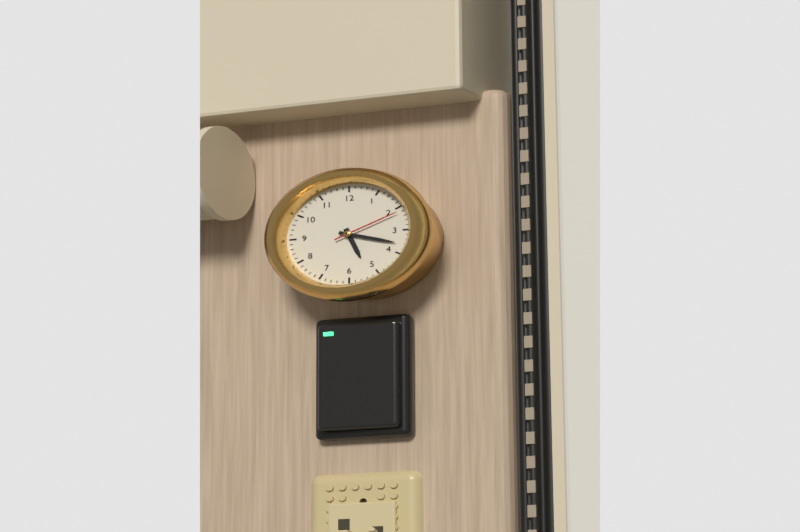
**5:18:11**
